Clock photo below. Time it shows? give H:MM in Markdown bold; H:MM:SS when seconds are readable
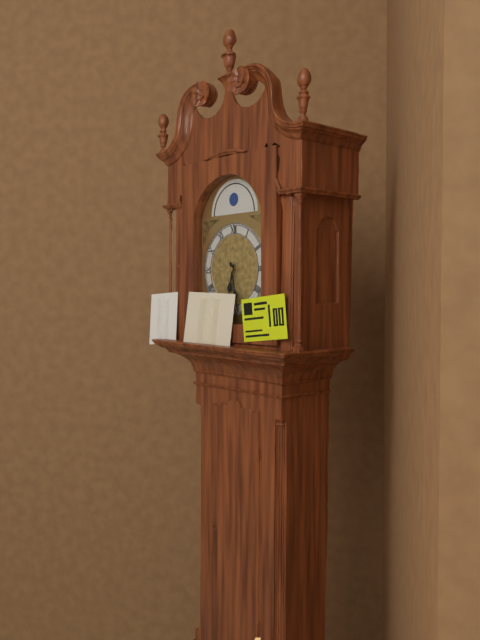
**6:28**
